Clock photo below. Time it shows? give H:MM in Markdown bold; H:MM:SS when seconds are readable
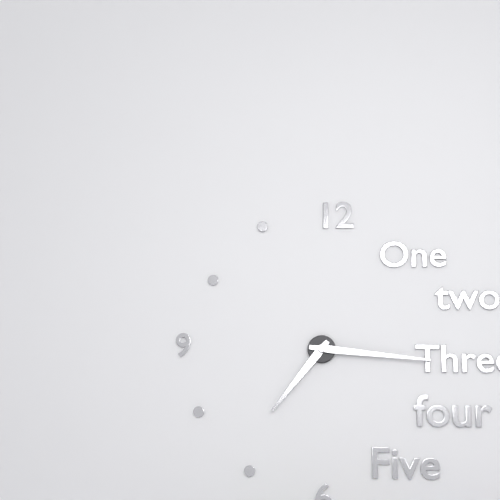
**7:16**
